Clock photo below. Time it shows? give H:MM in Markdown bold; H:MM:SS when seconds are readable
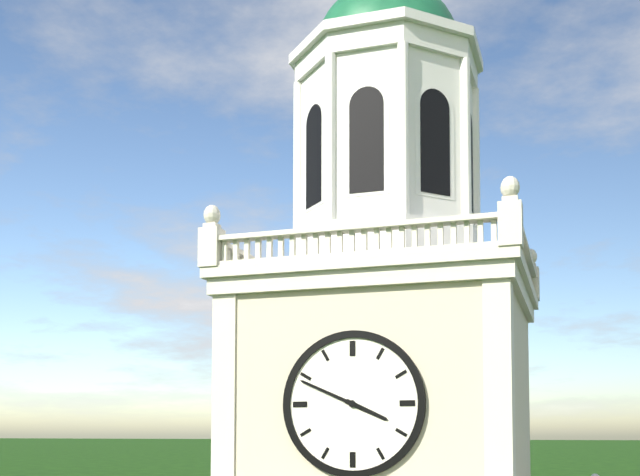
**3:49**
